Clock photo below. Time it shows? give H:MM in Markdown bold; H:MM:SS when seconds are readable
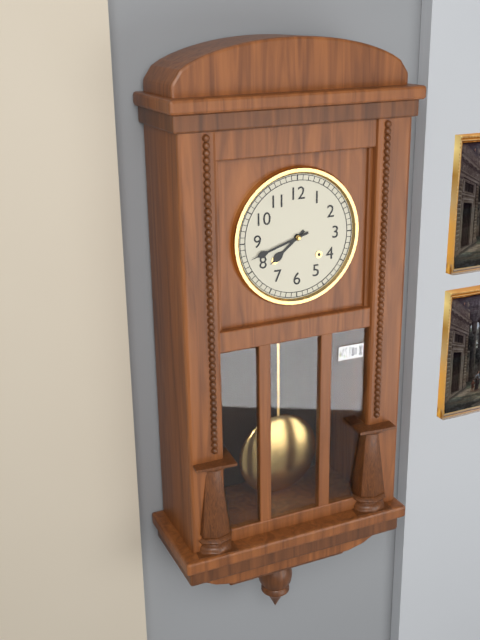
**7:42**
